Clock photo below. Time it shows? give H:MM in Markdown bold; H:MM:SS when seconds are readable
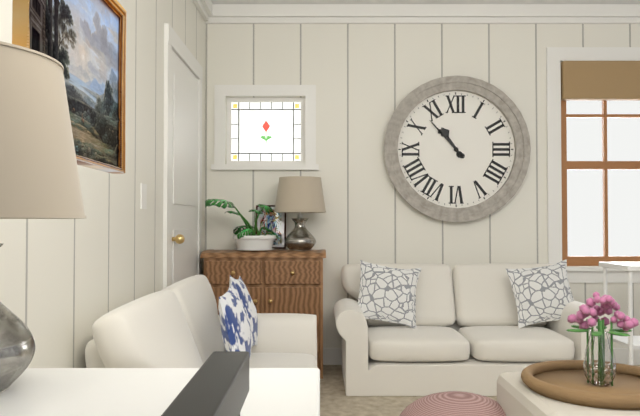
**10:53**
